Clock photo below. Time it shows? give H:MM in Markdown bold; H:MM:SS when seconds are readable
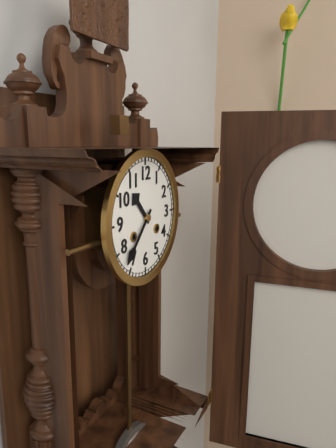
**10:37**
